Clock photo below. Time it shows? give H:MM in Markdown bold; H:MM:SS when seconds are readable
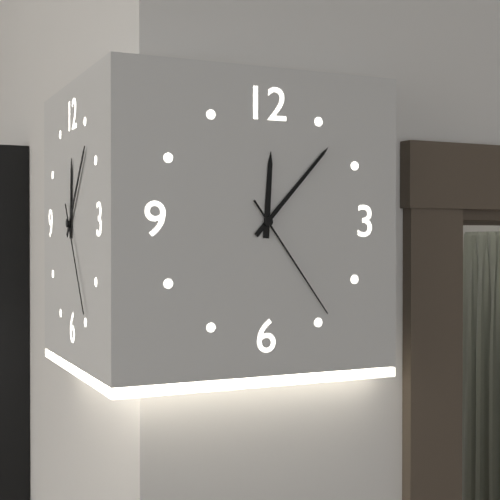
**12:07:24**
